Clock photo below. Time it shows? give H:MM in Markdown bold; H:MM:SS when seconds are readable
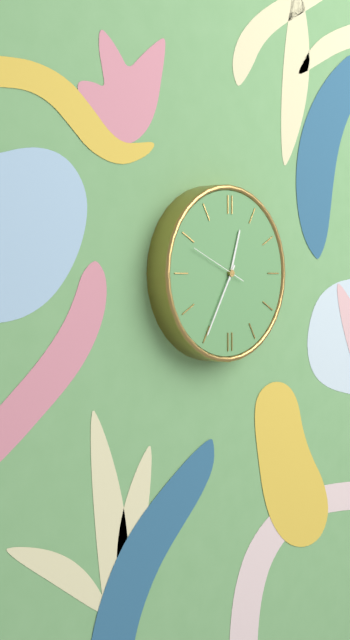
**12:35:49**
